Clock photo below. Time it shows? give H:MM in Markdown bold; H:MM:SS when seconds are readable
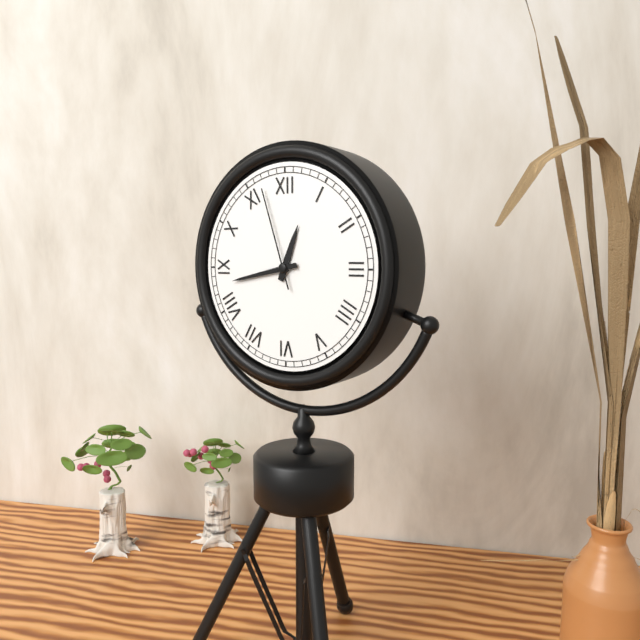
**12:43:57**
